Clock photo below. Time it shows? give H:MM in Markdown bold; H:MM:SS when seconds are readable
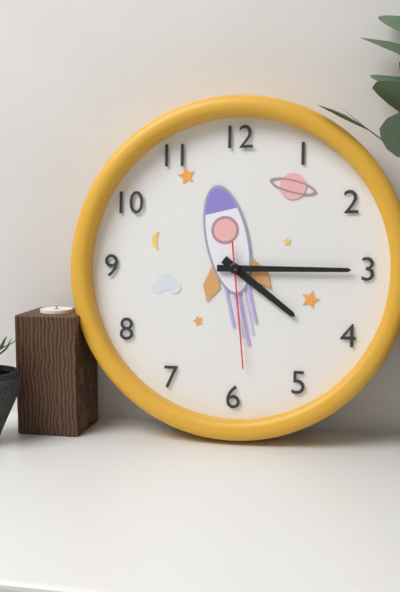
**4:15:29**
